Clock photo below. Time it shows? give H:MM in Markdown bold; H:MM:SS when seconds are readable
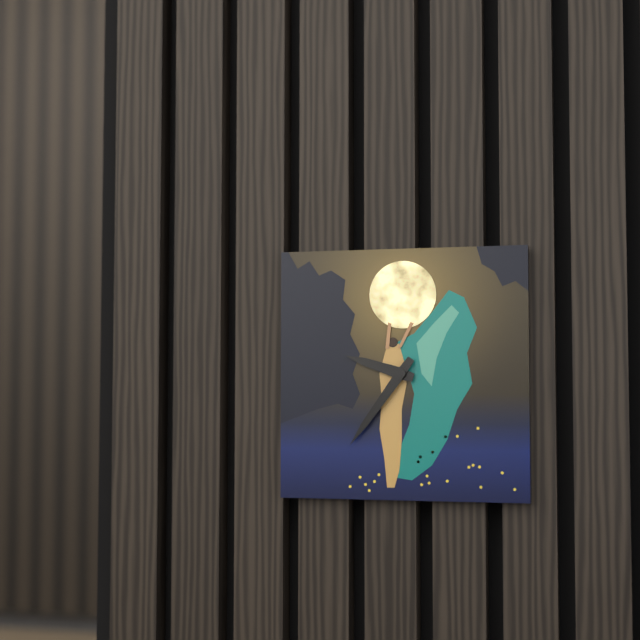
**9:36**
